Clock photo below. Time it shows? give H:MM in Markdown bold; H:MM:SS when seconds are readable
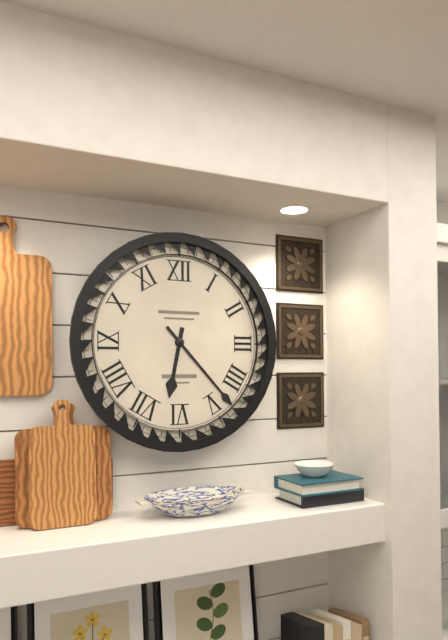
**6:23**
